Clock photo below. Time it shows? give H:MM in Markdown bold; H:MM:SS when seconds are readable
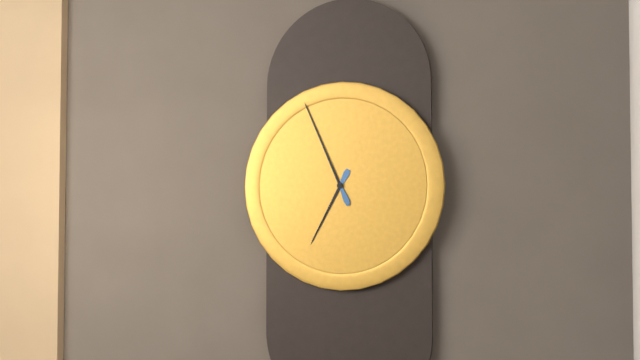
**6:56**
